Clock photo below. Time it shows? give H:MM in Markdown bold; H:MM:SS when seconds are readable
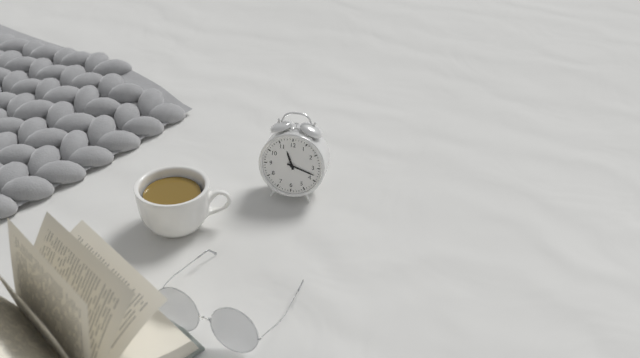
**11:18**
